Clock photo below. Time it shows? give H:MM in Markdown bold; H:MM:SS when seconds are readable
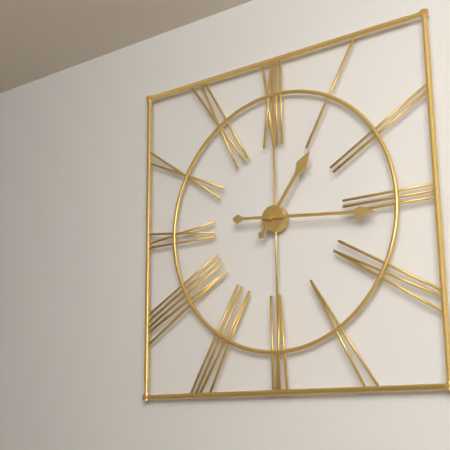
**1:16**
